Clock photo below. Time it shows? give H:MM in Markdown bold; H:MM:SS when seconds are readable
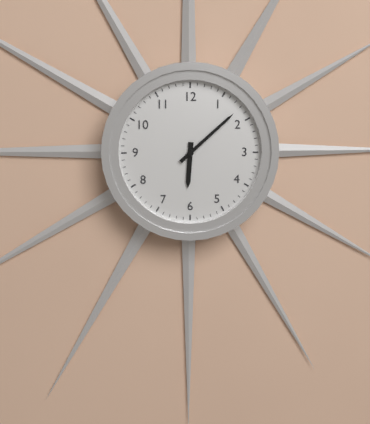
**6:08**
